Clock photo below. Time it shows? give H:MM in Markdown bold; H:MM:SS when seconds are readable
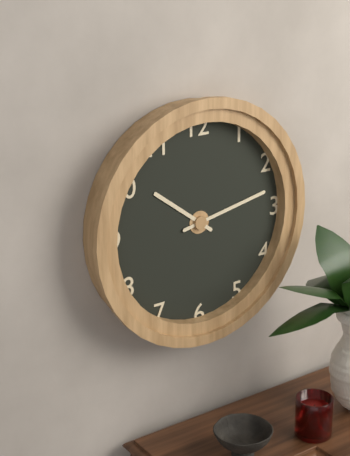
**10:13**
